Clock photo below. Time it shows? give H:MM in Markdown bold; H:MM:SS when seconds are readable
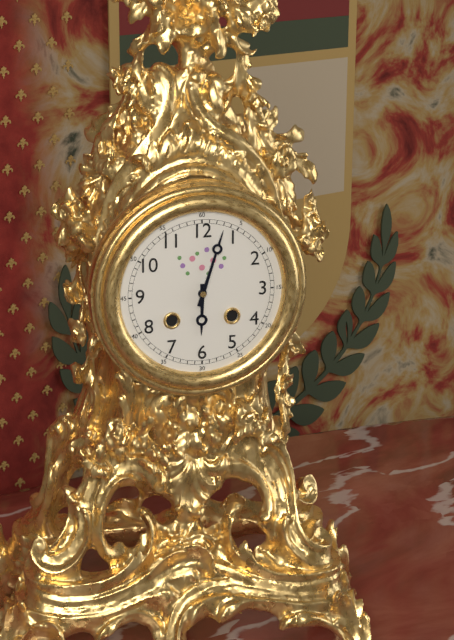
**6:03**
